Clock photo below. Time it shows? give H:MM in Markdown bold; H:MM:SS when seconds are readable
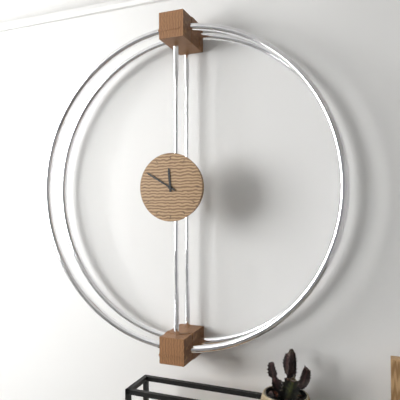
**11:50**
